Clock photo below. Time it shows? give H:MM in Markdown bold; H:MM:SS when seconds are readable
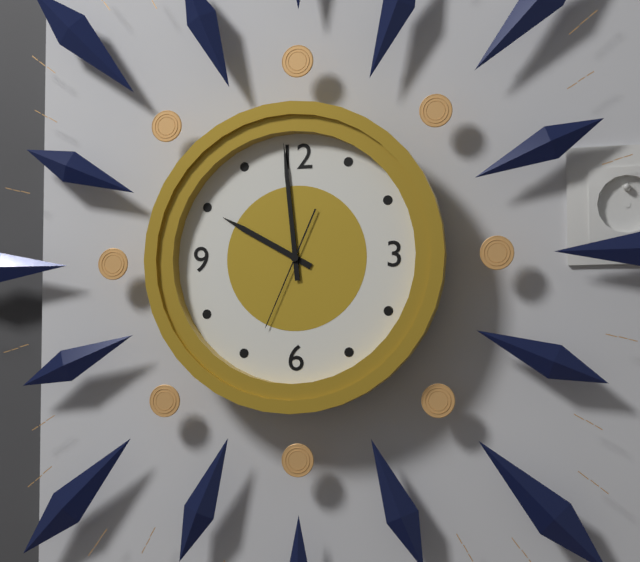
**9:59:34**
